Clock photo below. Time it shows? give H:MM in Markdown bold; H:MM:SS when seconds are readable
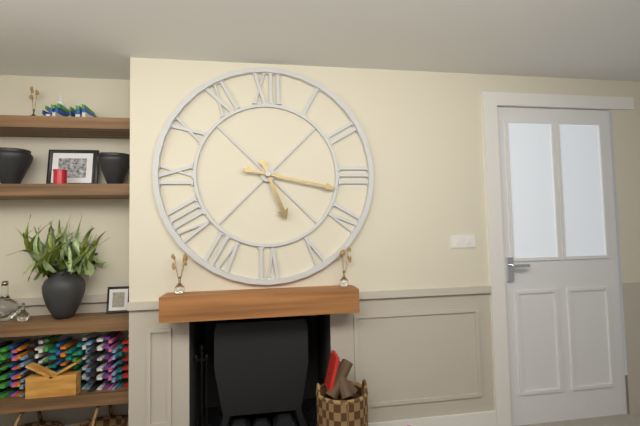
**5:17**
